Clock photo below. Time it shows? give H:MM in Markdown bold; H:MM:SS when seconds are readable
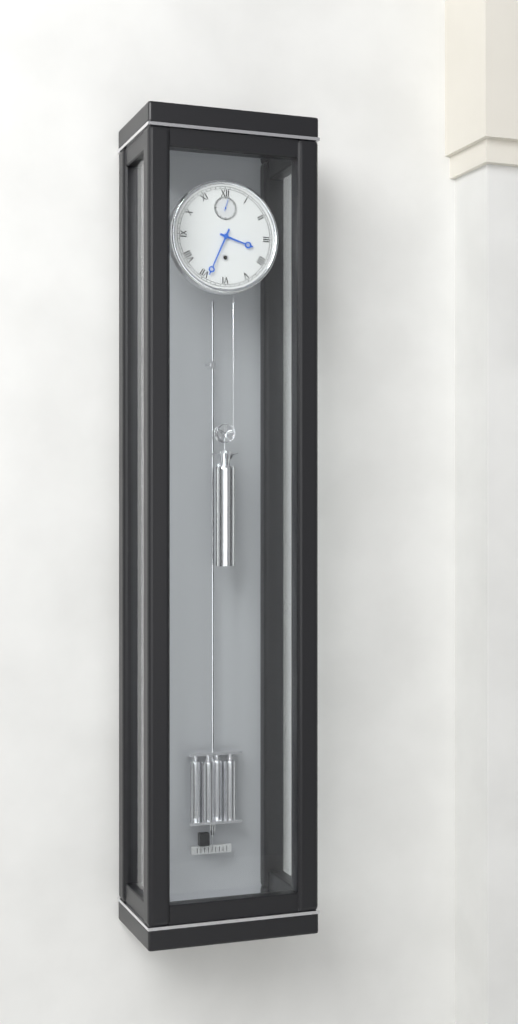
**3:34**
